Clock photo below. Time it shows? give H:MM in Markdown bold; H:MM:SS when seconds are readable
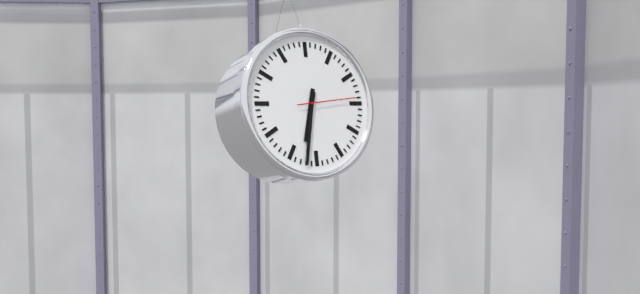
**6:32:14**
